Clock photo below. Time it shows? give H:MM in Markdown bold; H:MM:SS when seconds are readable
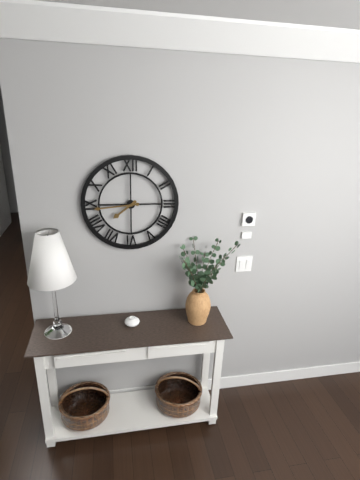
**7:44**
